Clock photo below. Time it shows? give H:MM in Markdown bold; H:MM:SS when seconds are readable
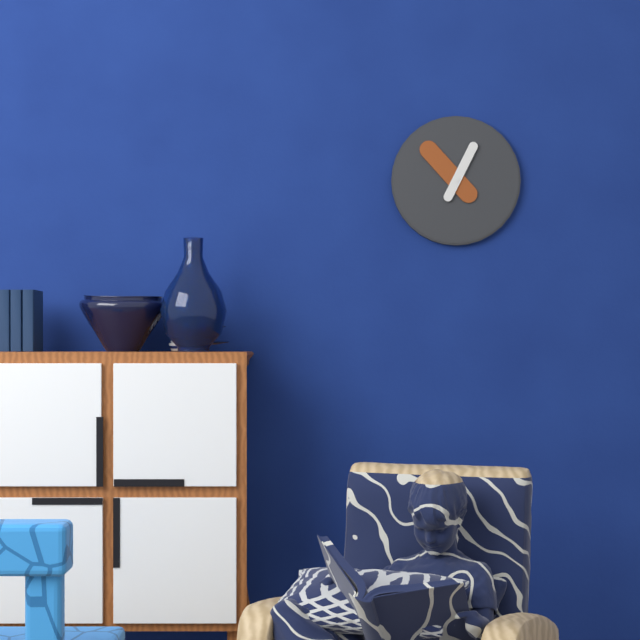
**12:53**
